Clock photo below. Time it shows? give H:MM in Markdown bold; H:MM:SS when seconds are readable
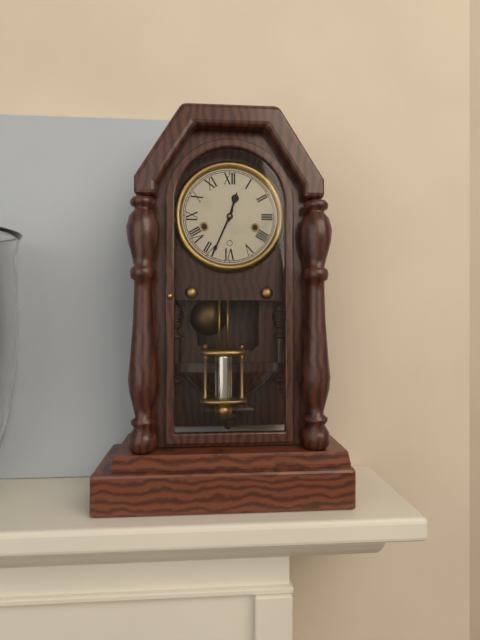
**12:34**
